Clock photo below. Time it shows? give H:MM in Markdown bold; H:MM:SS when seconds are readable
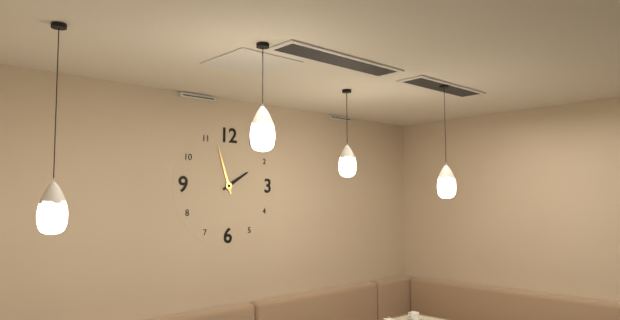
**1:57**
